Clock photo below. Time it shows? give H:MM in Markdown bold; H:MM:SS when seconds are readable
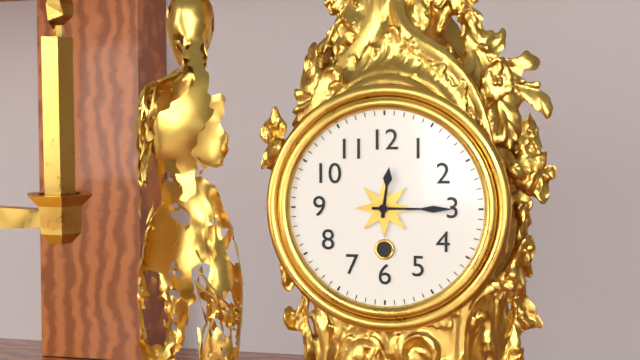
**12:15**
